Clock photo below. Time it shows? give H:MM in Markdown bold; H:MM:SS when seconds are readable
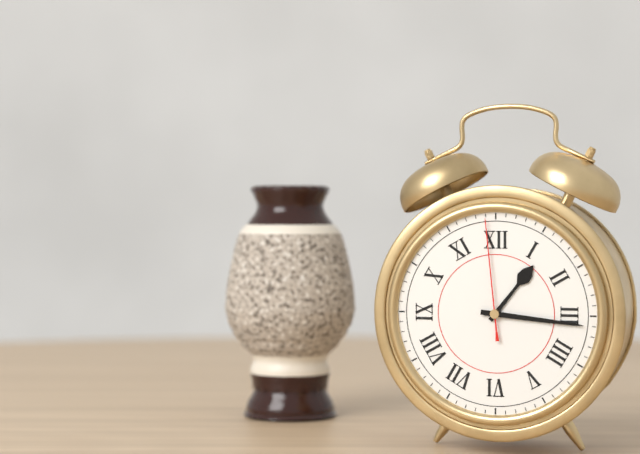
**1:16:59**
